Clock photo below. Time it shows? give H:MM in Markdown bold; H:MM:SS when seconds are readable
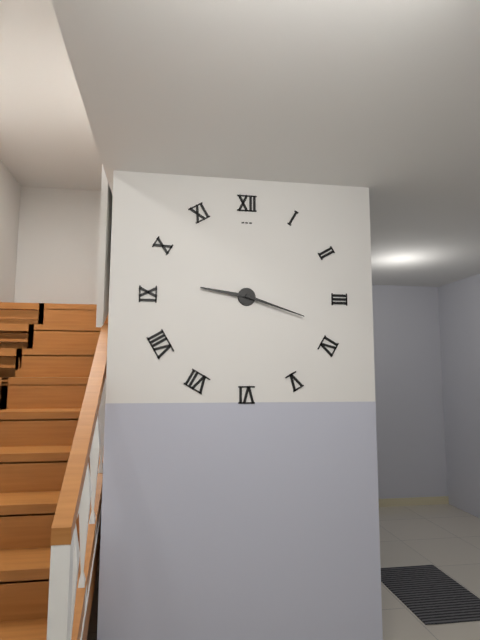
**9:18**
